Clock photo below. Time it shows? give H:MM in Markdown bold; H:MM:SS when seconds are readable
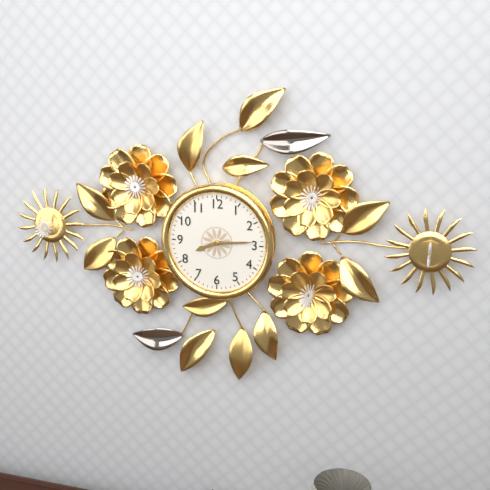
**8:14**
